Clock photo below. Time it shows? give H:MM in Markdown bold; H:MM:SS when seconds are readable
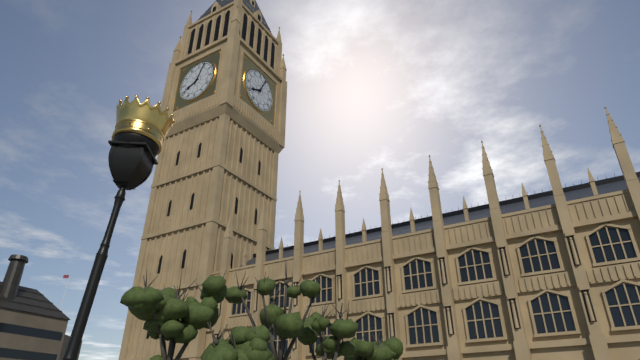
**8:04**
